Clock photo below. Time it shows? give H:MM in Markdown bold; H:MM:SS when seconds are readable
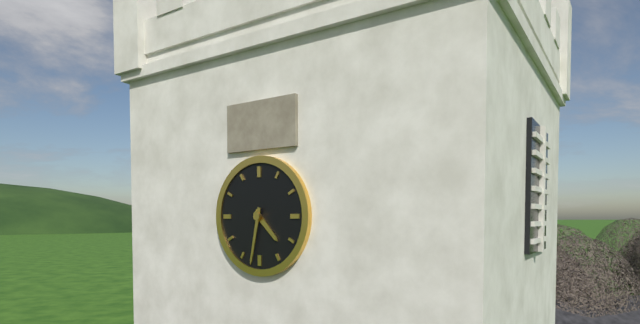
**4:32**
